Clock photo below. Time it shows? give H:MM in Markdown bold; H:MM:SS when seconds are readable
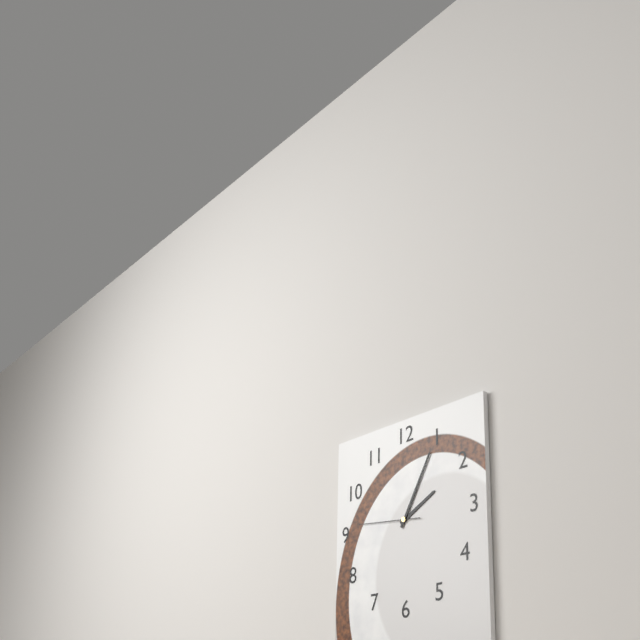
**2:05:46**
